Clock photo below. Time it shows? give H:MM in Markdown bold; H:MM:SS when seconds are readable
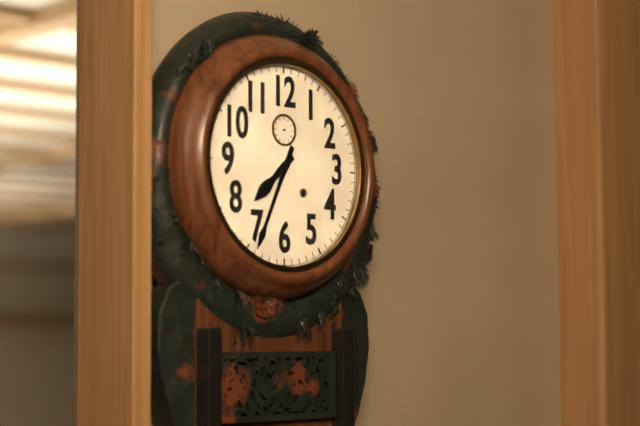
**7:34**
